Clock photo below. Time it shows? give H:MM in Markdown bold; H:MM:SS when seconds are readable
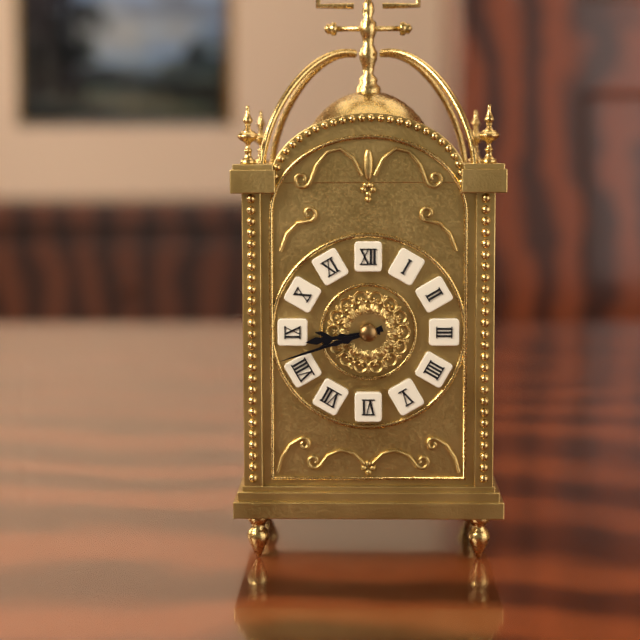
**8:42**
